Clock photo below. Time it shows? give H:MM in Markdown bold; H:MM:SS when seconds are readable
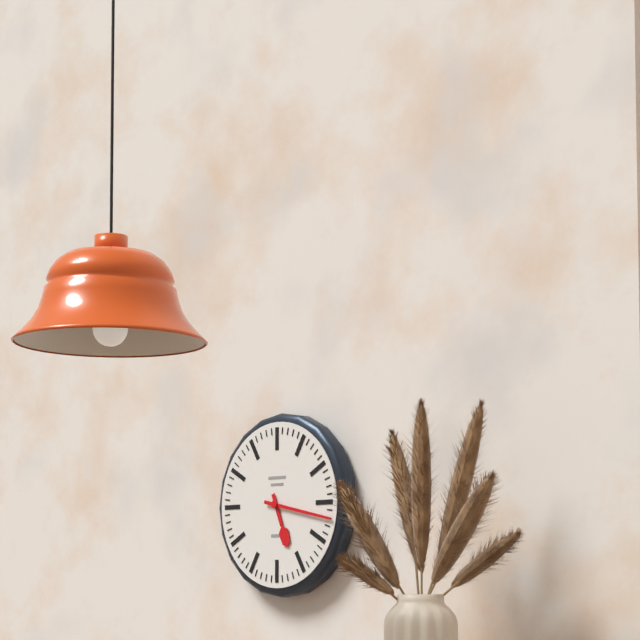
**5:17**
